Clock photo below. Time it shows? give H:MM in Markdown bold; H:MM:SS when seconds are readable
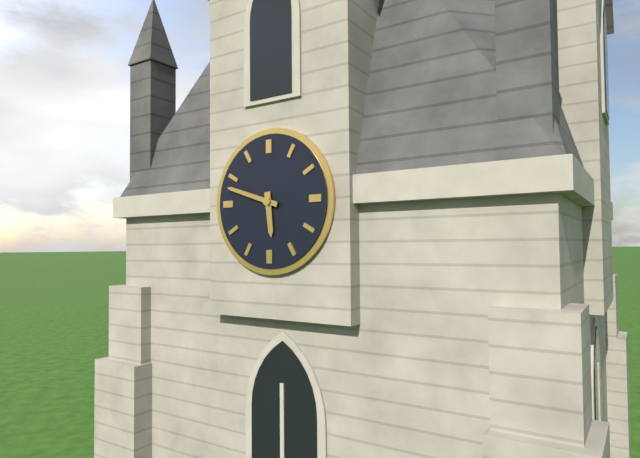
**5:48**
